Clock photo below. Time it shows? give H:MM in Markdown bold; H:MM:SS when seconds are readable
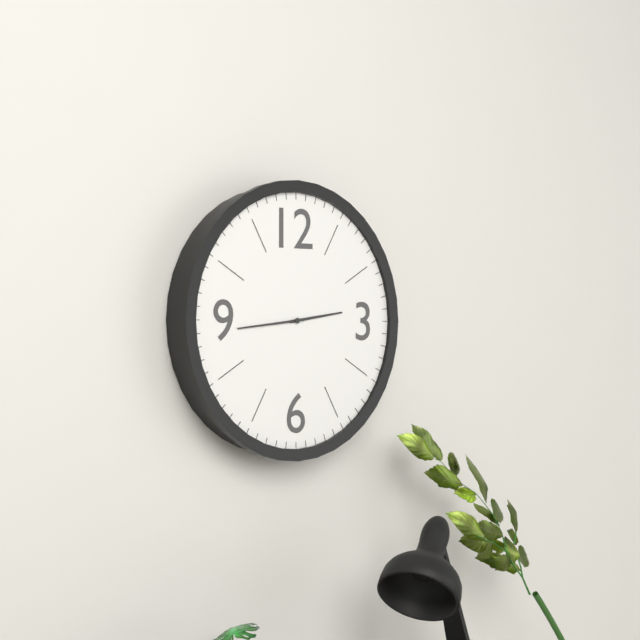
**2:44**
